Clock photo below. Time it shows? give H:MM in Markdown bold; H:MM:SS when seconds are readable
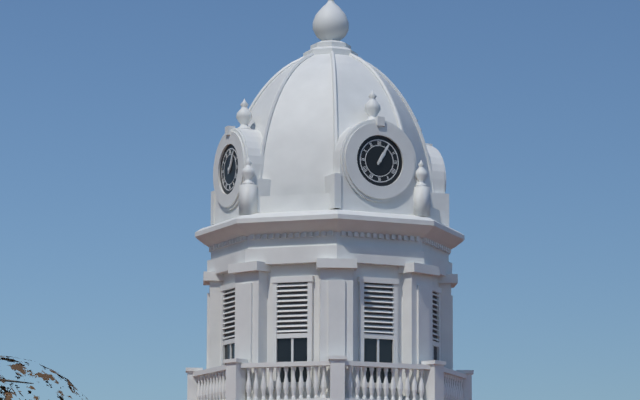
**1:05**
